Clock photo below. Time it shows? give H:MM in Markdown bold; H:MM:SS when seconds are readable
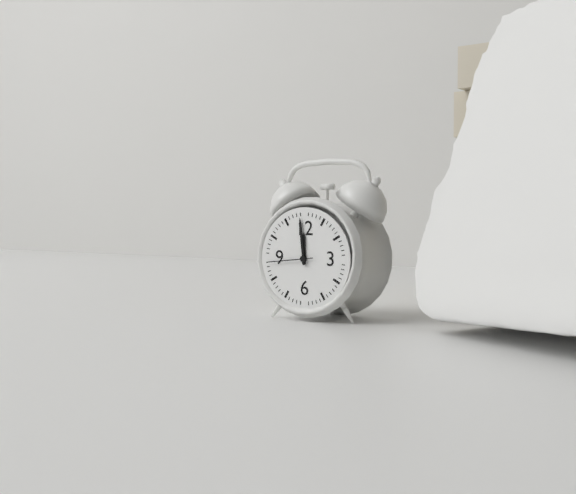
**11:59**
